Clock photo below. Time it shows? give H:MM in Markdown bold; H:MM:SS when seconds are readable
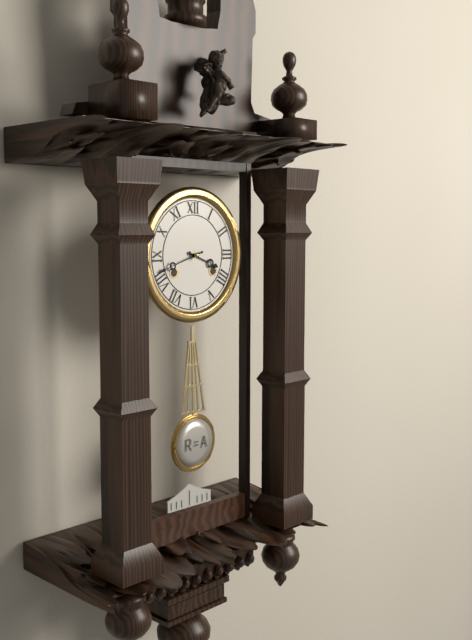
**3:42**
